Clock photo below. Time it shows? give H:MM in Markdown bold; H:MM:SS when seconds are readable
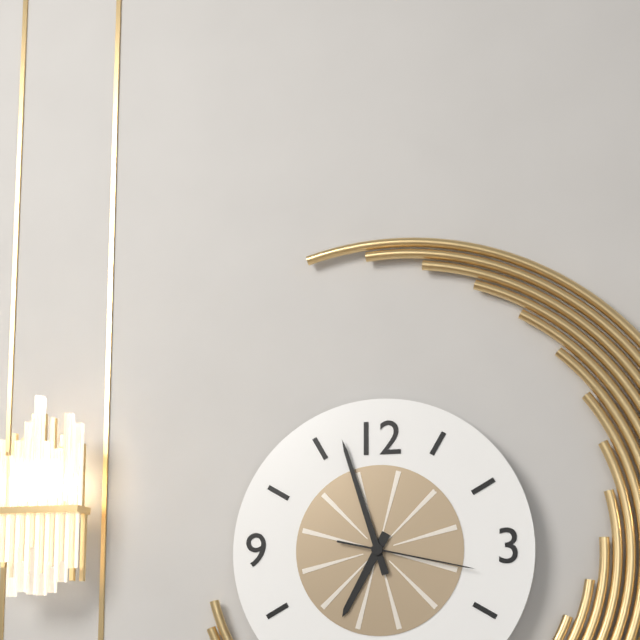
**6:57:17**
